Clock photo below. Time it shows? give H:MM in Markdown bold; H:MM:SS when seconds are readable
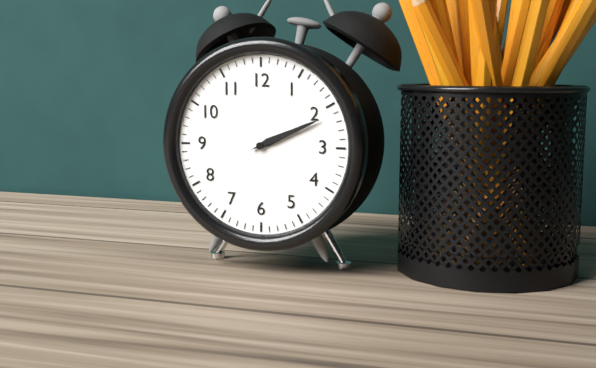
**2:11**
